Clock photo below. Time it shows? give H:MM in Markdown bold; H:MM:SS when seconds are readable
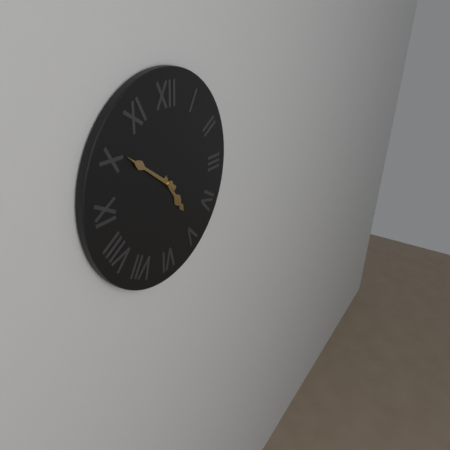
**4:51**
